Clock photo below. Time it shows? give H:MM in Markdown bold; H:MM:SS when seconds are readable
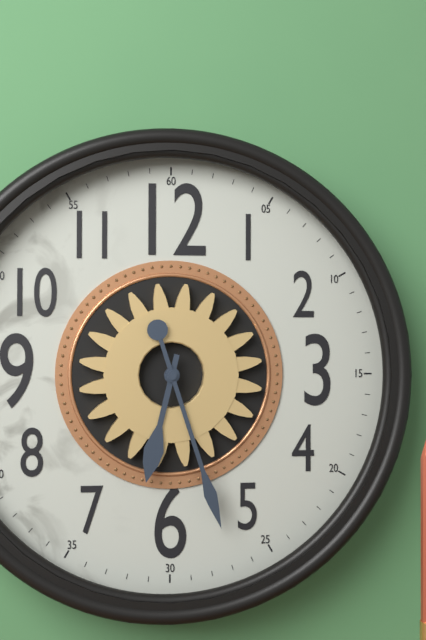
**6:27**
